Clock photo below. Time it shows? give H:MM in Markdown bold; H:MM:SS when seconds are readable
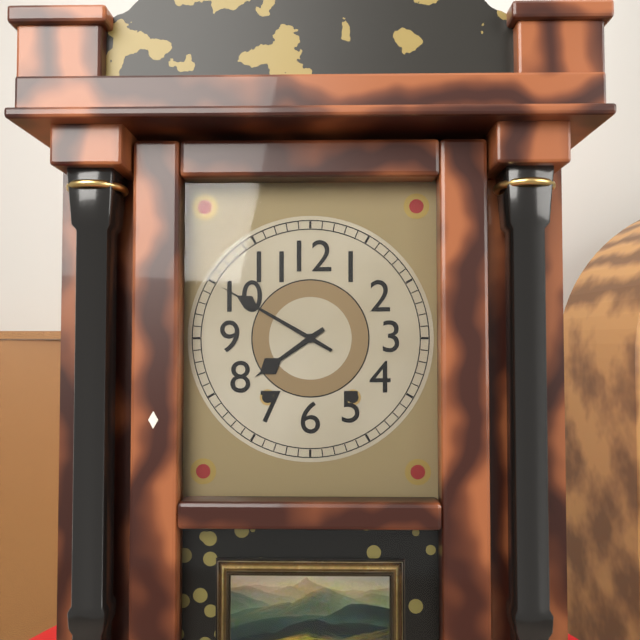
**7:50**
